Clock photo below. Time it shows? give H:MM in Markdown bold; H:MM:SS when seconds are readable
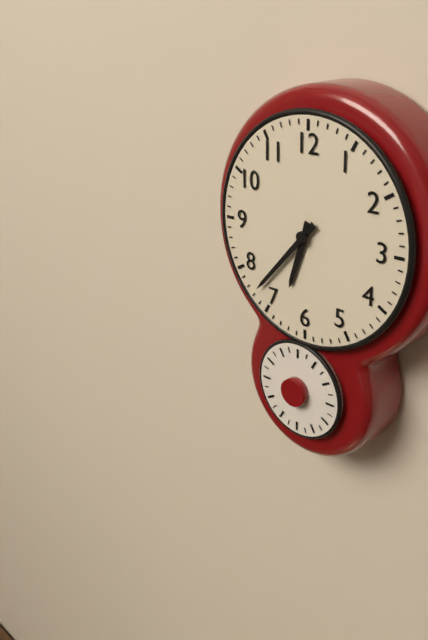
**6:37**
